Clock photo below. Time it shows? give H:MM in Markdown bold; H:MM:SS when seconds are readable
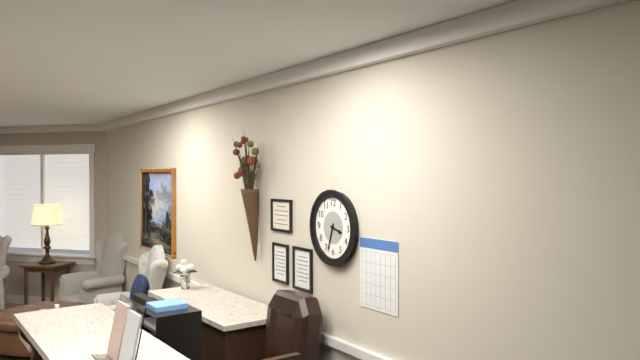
**3:33**
